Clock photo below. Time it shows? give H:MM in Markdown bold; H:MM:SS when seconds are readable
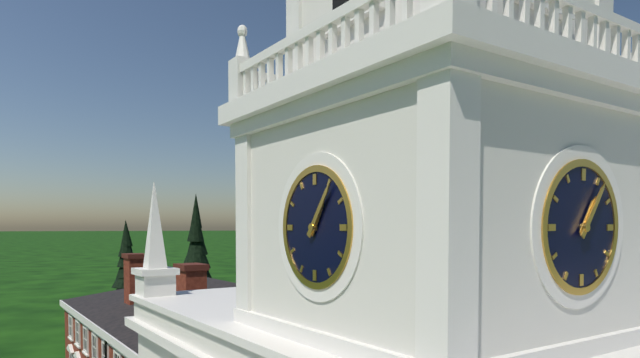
**1:06**
